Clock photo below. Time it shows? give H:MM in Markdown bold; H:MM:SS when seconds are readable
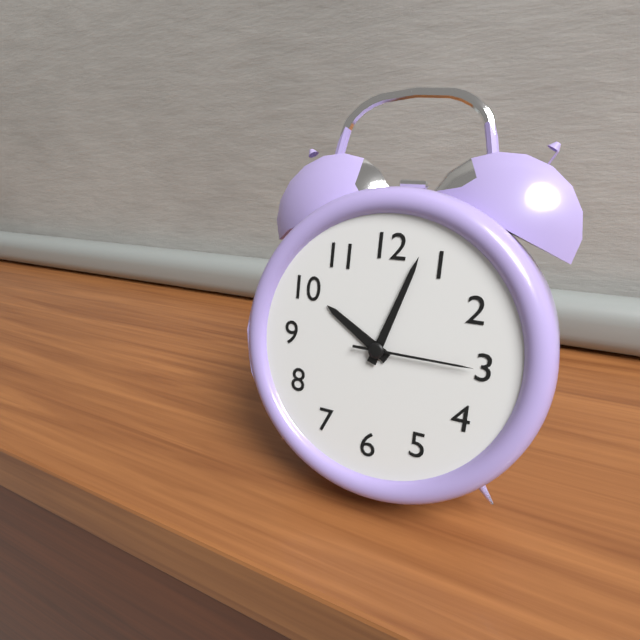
**10:03:15**
